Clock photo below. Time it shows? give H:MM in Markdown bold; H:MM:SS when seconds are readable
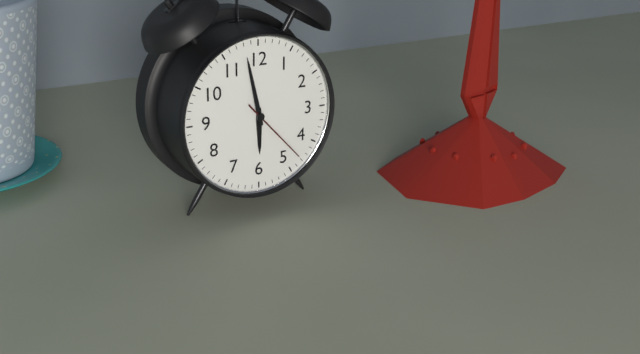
**5:58:23**
